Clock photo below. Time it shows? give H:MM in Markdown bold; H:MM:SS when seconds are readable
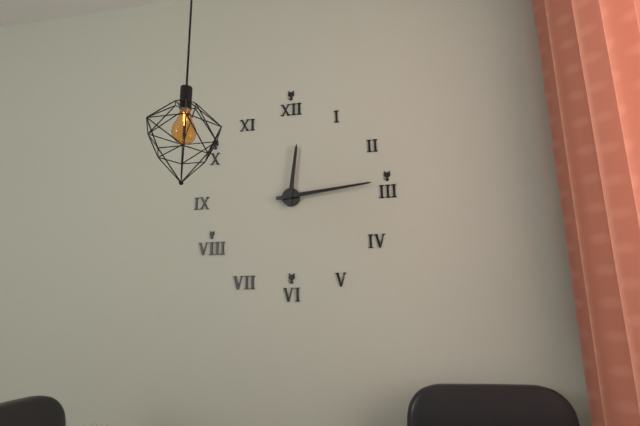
**12:14**
